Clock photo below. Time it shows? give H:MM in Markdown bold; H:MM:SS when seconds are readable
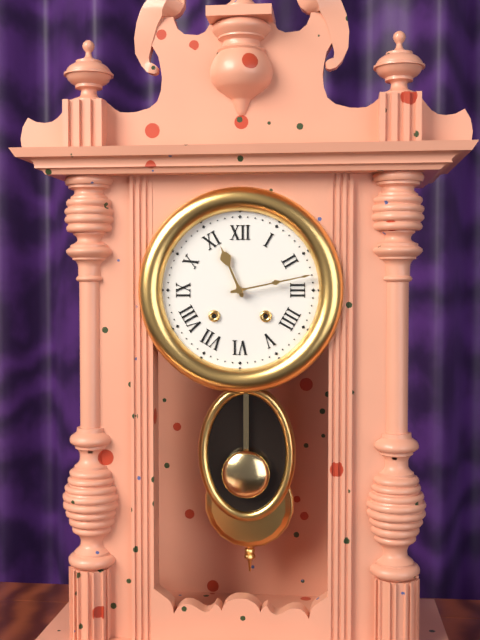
**11:13**
